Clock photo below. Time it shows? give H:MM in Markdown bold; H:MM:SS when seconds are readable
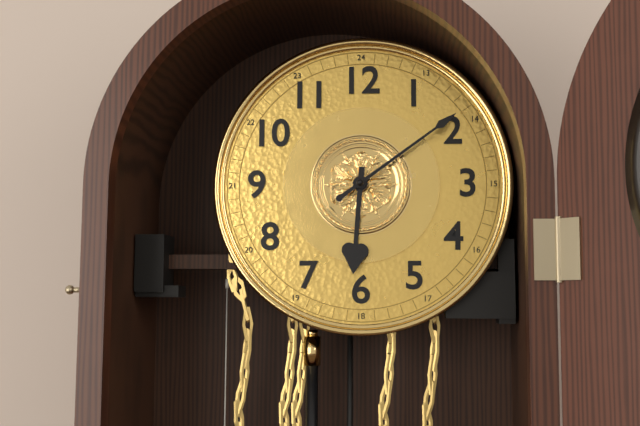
**6:09**
